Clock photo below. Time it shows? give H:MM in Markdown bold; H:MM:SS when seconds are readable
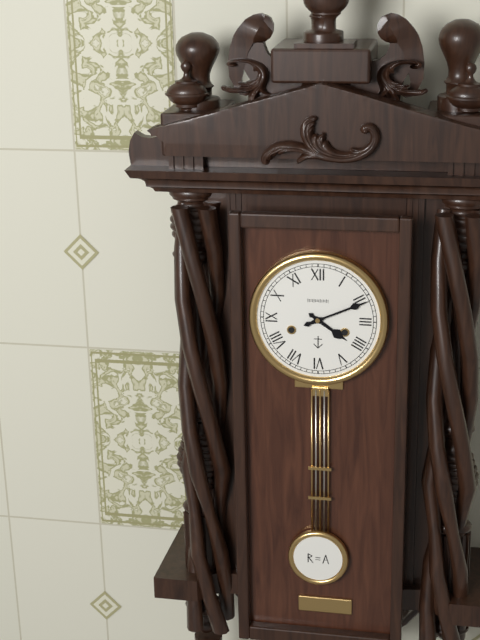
**4:11**
